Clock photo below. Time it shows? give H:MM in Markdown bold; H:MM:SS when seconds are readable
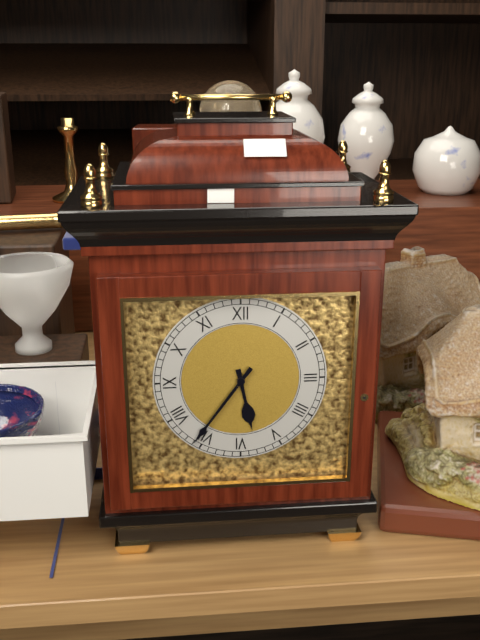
**5:36**
